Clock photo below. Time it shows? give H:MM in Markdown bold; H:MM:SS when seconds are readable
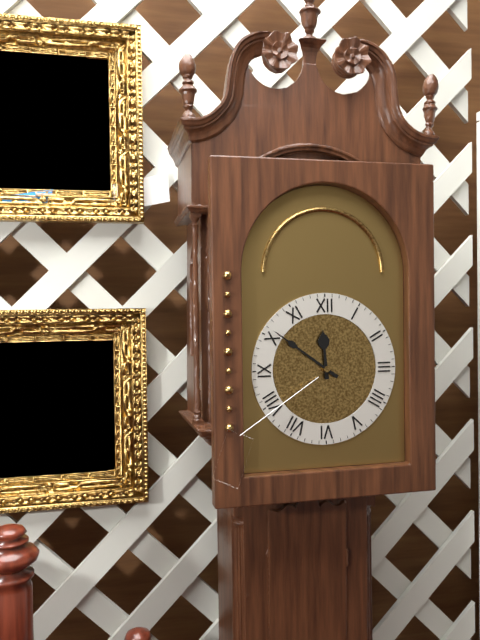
**11:51**
